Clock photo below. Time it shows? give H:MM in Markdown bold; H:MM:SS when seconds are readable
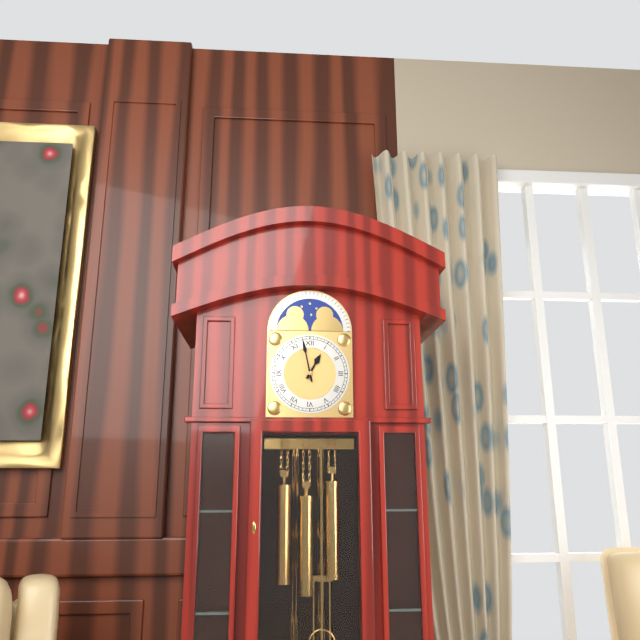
**12:58**
